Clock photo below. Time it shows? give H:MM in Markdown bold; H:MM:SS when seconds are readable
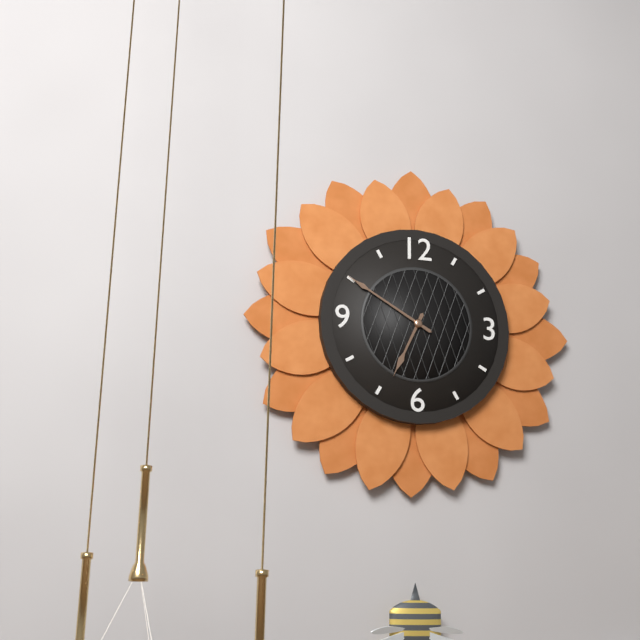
**6:50**
